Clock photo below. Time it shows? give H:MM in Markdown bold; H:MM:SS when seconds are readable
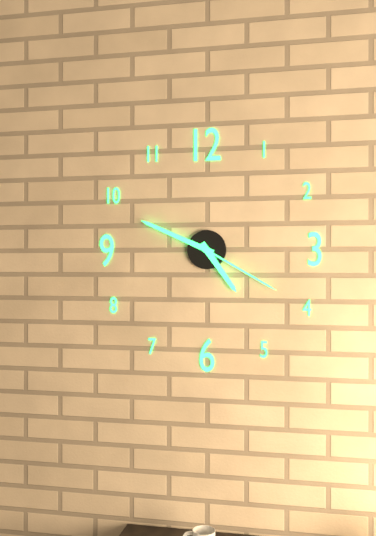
**4:49:20**
